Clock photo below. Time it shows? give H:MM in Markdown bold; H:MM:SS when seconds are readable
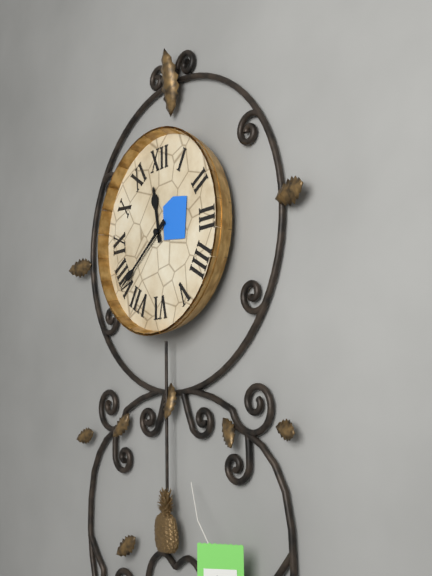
**11:39**
